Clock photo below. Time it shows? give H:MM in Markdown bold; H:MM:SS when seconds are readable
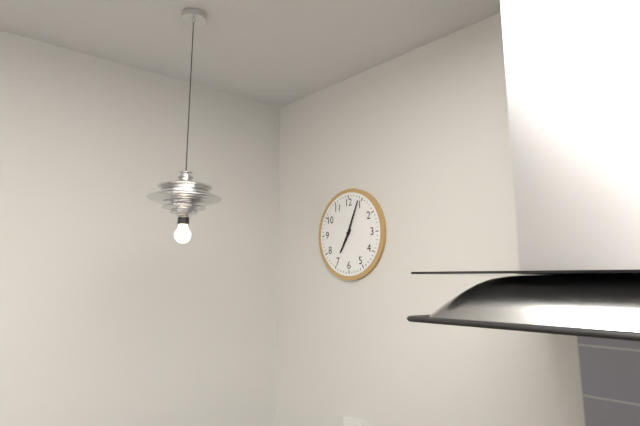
**7:04**
